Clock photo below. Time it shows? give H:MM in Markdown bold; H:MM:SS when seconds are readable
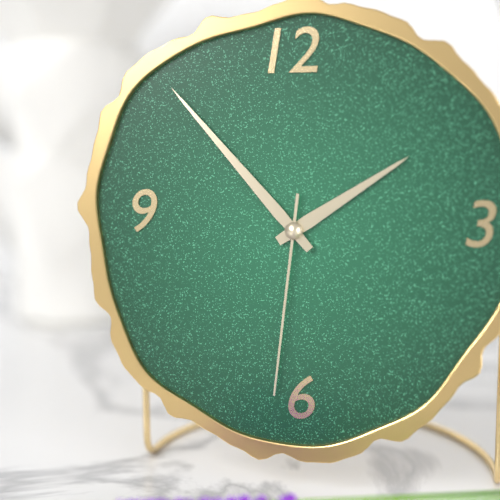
**1:53:31**
